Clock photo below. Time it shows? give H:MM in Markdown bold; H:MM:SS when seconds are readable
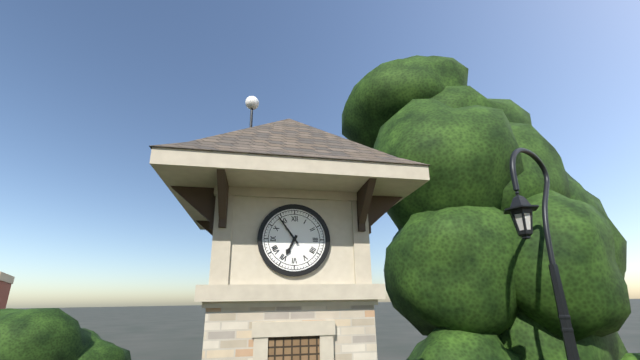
**6:54**
